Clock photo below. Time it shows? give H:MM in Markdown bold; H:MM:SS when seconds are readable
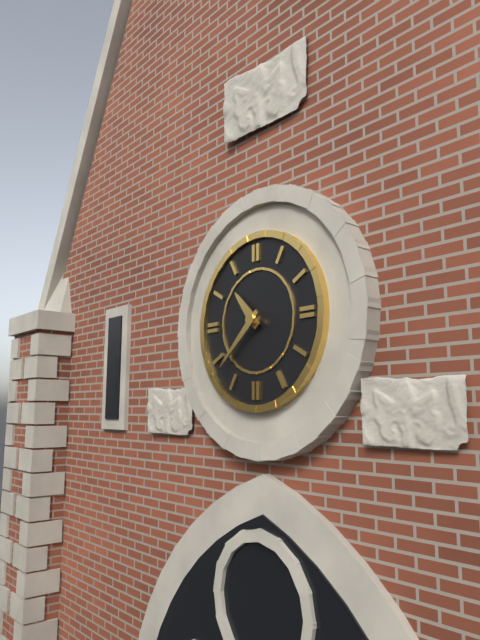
**10:38**
